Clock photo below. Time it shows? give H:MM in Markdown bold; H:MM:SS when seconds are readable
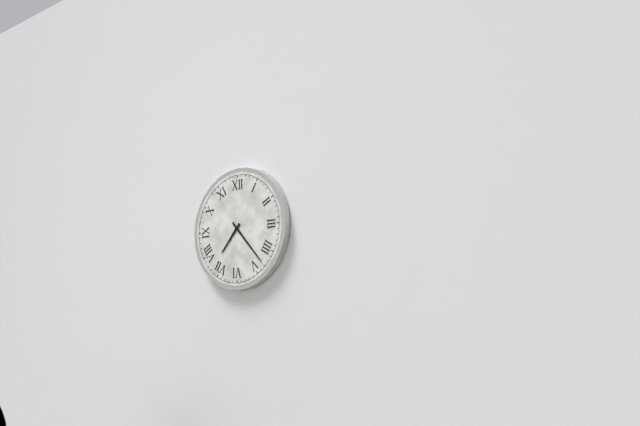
**7:23**
